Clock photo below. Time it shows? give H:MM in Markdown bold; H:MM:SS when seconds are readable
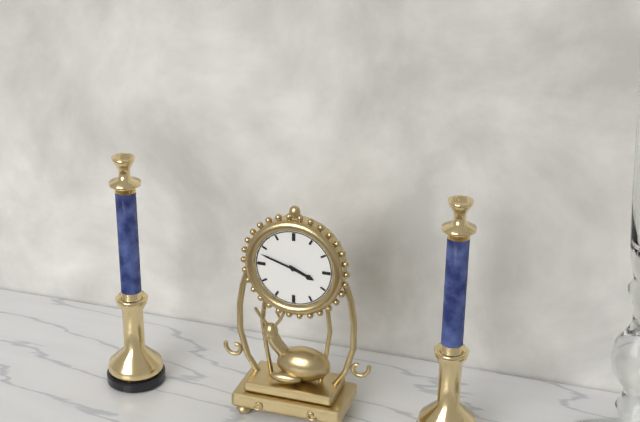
**3:48**
